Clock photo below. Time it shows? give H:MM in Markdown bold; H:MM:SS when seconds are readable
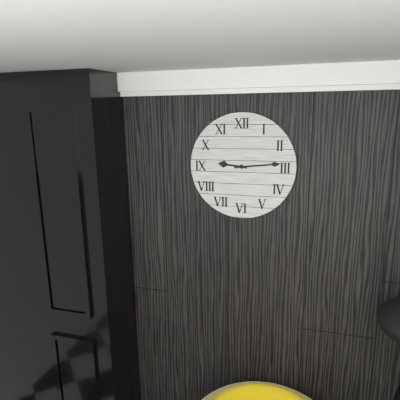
**9:14**
